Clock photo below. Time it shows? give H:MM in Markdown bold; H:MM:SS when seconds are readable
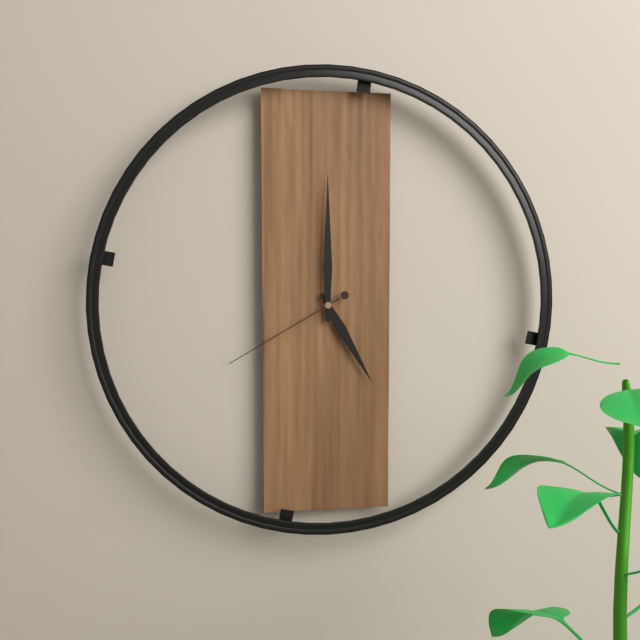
**5:00:40**
